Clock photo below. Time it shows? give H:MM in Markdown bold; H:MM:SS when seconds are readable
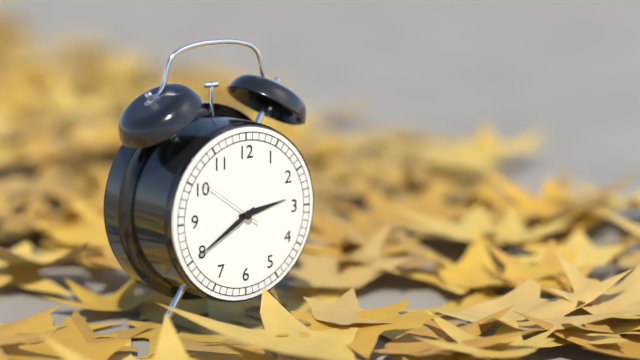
**2:40:51**
